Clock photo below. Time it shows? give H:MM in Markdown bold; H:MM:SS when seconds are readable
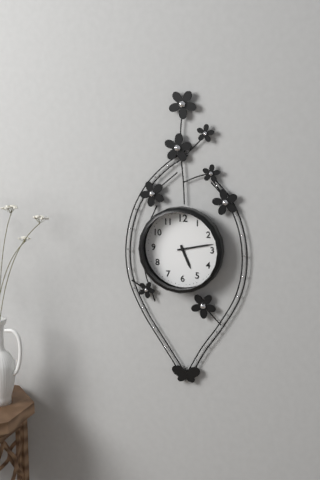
**5:13**
